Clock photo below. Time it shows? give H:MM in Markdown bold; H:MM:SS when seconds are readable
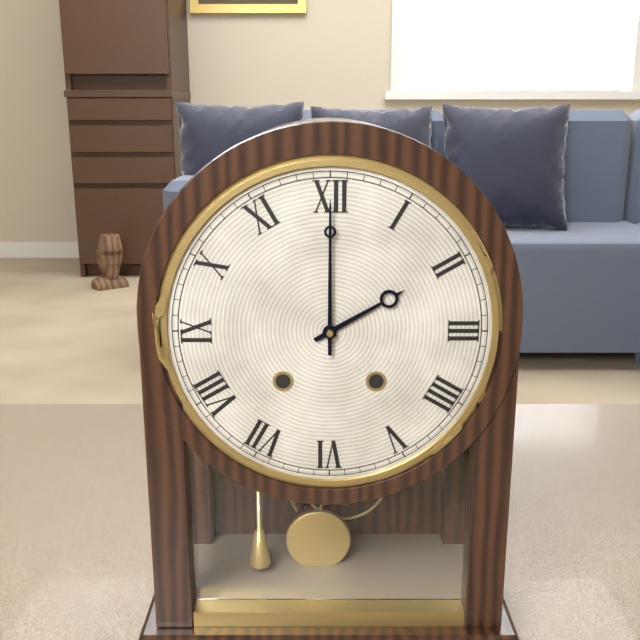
**2:00**
